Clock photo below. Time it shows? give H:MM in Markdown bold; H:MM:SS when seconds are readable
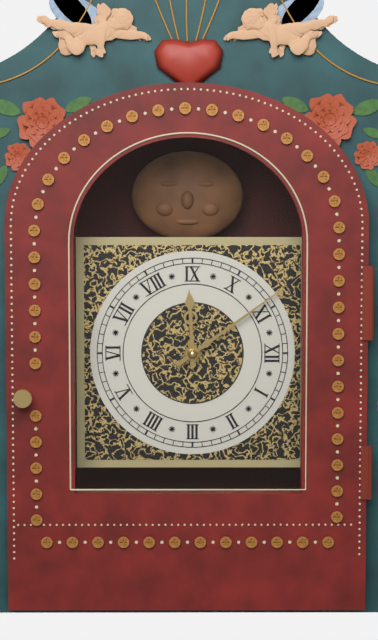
**8:54**
